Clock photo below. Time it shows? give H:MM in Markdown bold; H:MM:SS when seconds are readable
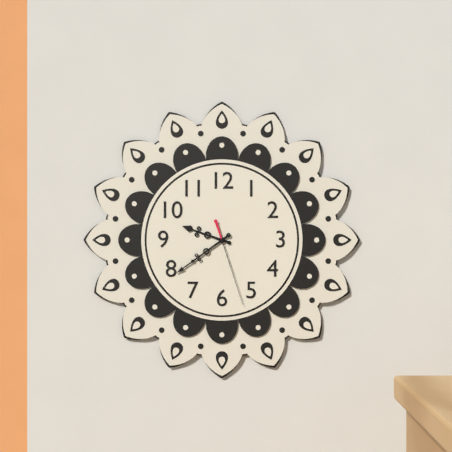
**9:39:27**
